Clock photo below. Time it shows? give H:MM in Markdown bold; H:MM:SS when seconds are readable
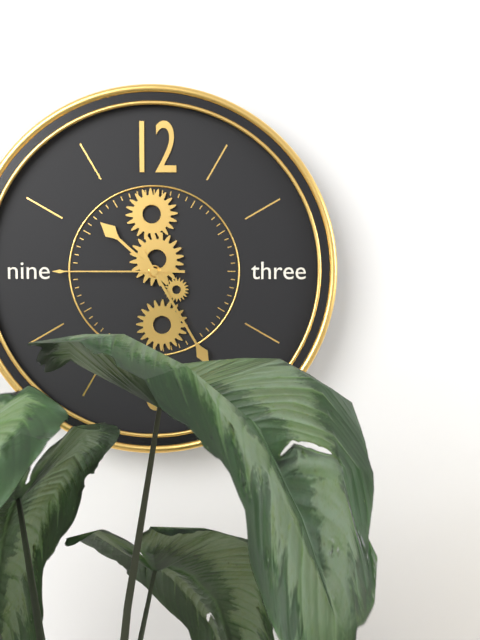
**10:25:45**
